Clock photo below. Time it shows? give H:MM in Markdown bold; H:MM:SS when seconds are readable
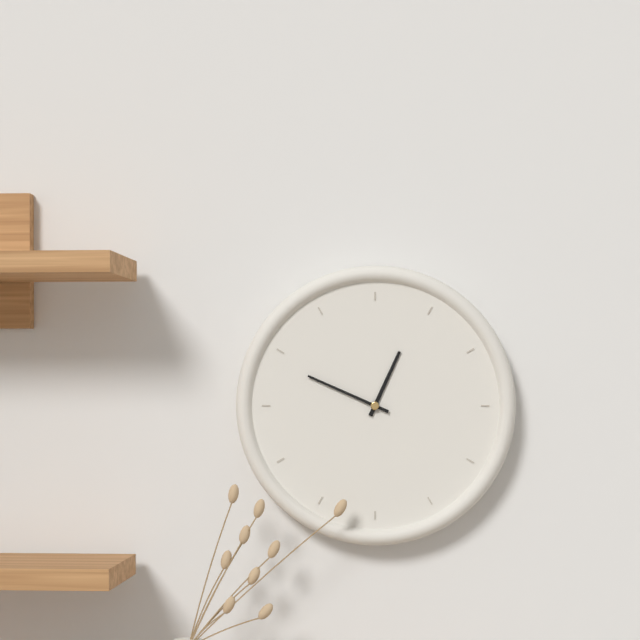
**12:49**
